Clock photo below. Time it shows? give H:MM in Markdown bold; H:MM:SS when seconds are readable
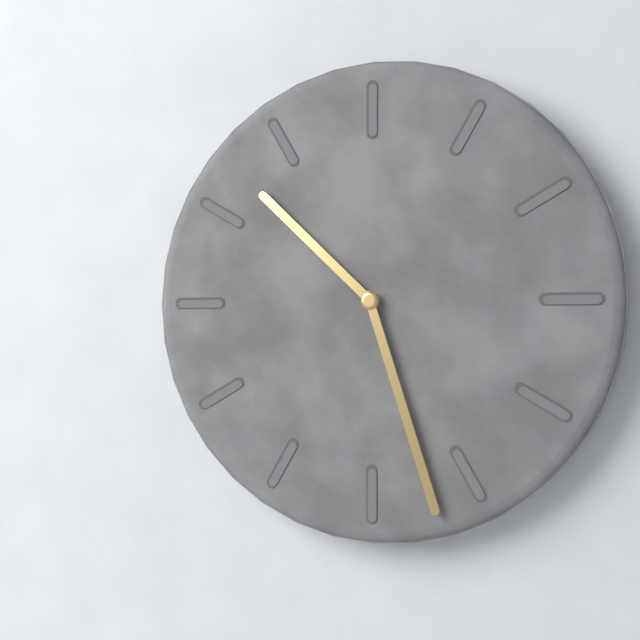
**10:27**
